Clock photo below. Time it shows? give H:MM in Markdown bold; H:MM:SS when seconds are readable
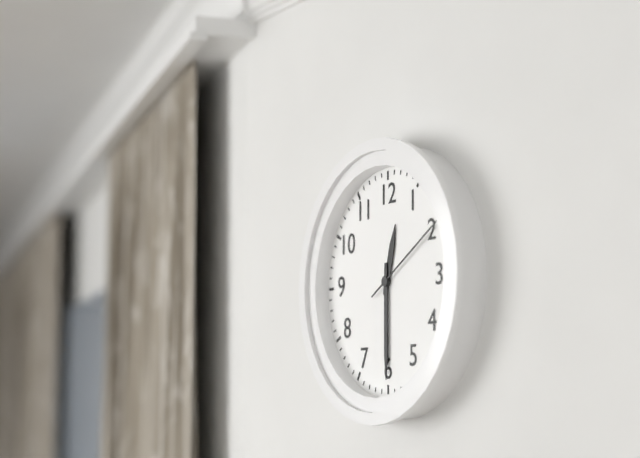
**12:30:10**
